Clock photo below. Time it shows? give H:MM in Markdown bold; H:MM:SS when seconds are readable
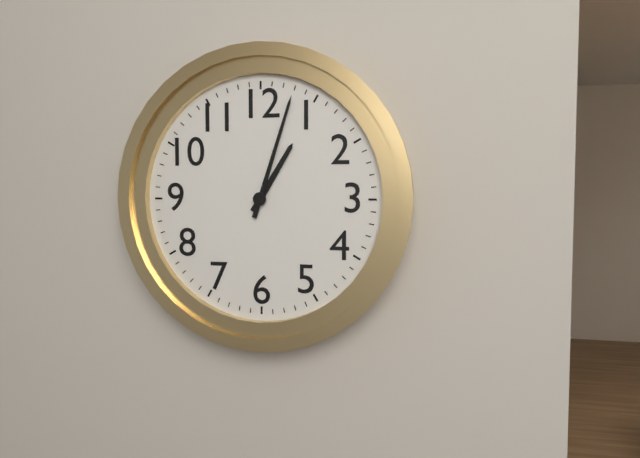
**1:03**
